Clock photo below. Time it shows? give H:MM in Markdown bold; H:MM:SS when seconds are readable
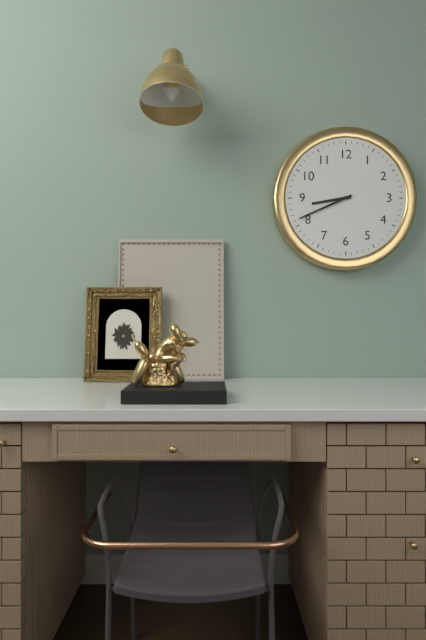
**8:41**
